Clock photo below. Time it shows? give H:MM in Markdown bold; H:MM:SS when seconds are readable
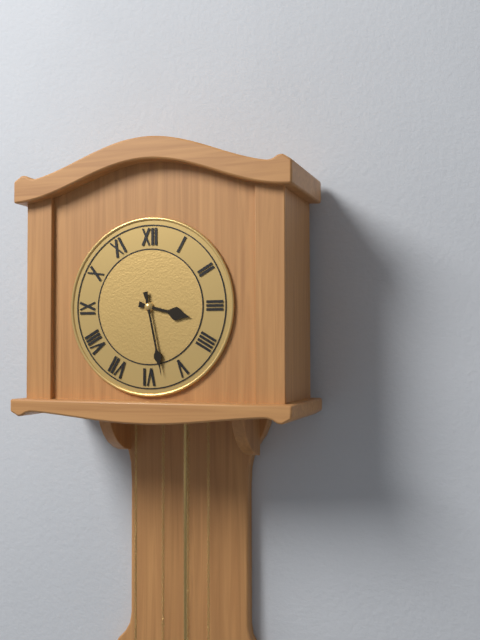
**3:28**
